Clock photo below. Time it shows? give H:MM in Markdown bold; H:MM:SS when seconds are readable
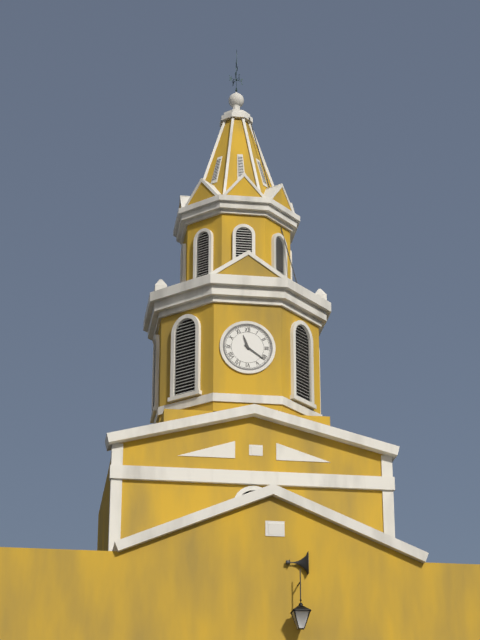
**11:21**
